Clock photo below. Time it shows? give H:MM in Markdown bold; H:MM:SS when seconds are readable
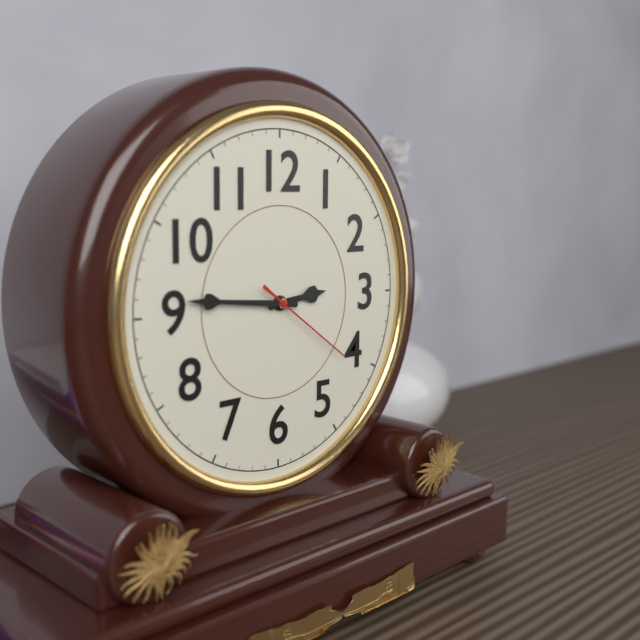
**2:46:21**
